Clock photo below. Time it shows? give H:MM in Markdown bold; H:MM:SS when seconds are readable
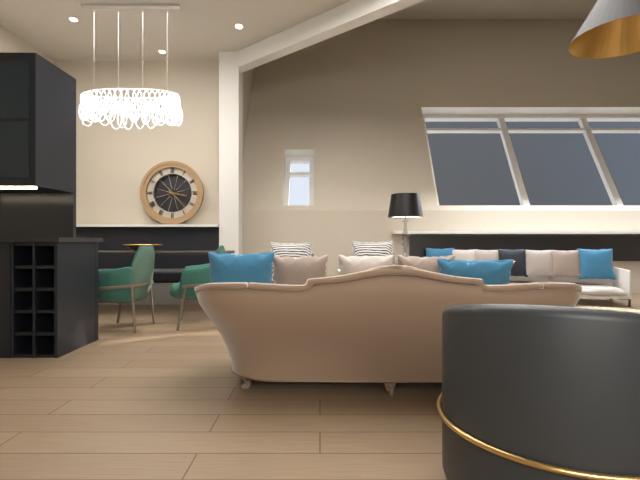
**3:23**
